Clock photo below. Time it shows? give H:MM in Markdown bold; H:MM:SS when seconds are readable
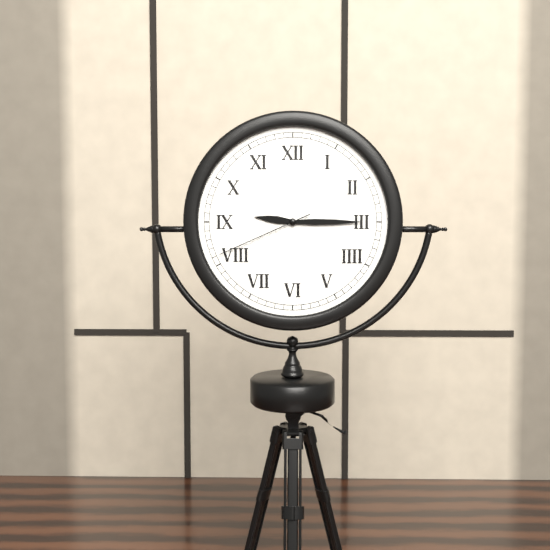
**9:15:41**
